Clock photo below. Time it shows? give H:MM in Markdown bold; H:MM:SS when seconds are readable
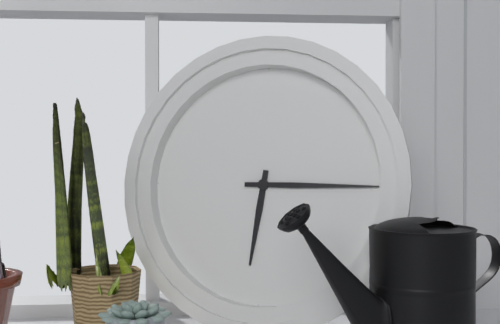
**6:15**
